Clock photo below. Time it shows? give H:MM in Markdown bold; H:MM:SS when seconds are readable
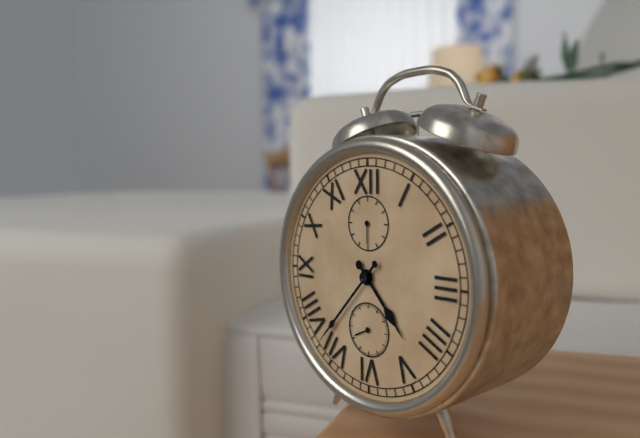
**4:37**
